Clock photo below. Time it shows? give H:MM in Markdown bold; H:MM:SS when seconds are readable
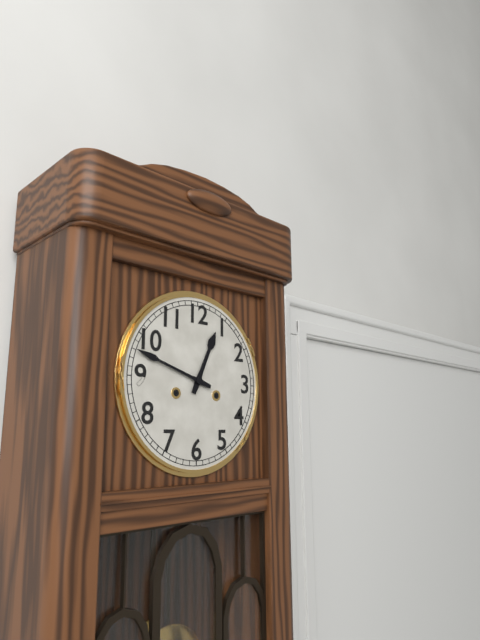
**12:48**
